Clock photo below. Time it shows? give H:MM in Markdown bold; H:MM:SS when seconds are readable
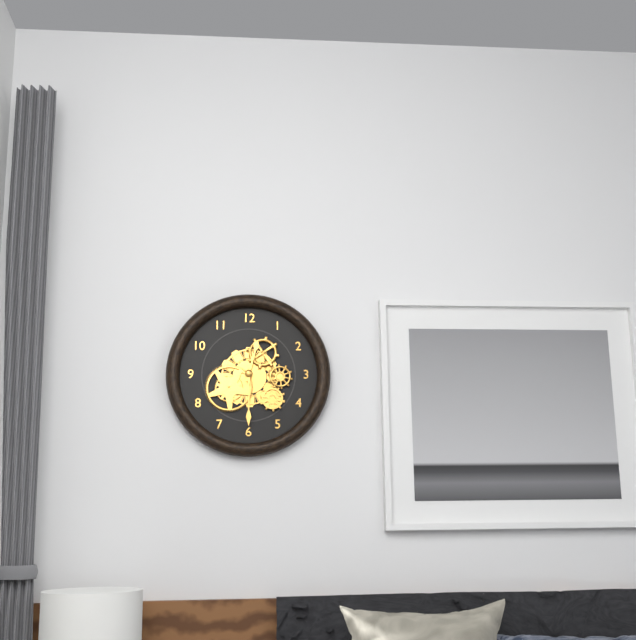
**12:30**
